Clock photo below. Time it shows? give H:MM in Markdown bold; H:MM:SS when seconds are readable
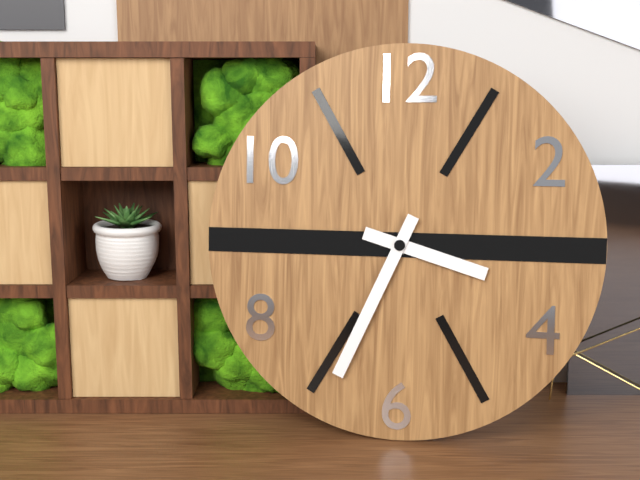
**3:34**
